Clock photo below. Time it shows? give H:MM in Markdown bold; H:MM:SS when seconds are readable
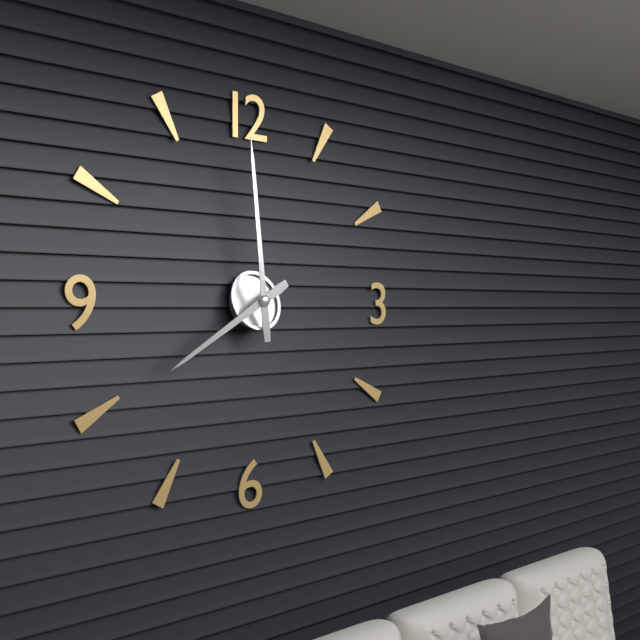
**7:59**
